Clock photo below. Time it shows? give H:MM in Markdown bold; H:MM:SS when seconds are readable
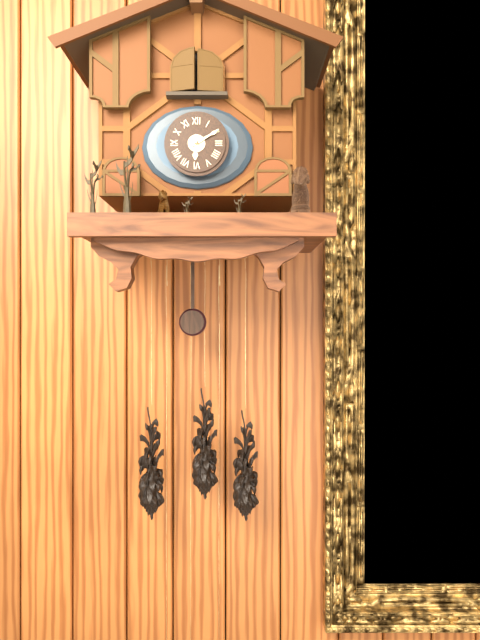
**6:10**
